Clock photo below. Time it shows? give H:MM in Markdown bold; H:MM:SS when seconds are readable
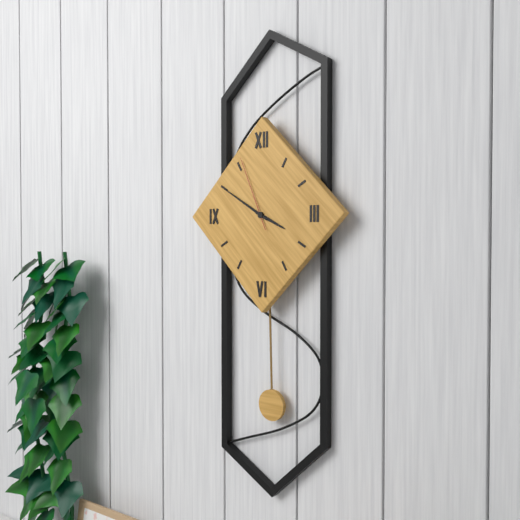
**3:50:56**
